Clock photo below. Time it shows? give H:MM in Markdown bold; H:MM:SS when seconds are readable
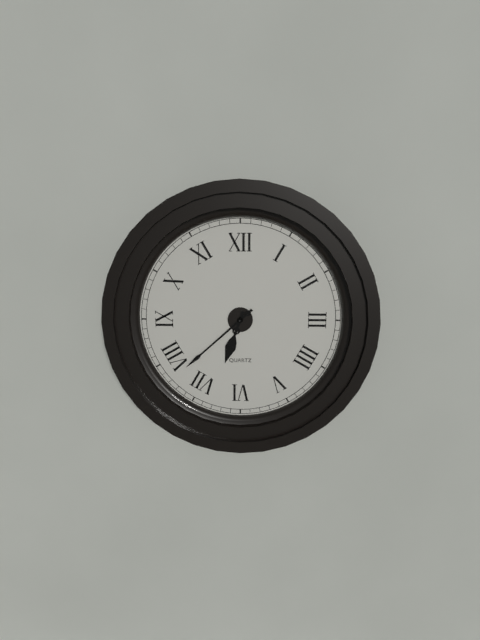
**6:38**
